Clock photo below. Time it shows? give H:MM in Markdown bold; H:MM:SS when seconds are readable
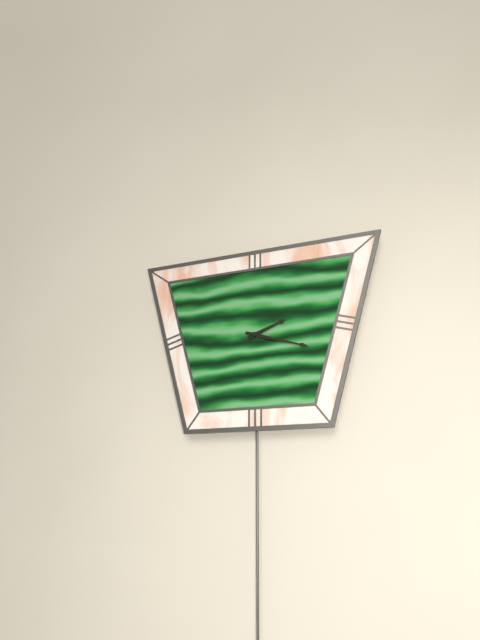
**2:18**
